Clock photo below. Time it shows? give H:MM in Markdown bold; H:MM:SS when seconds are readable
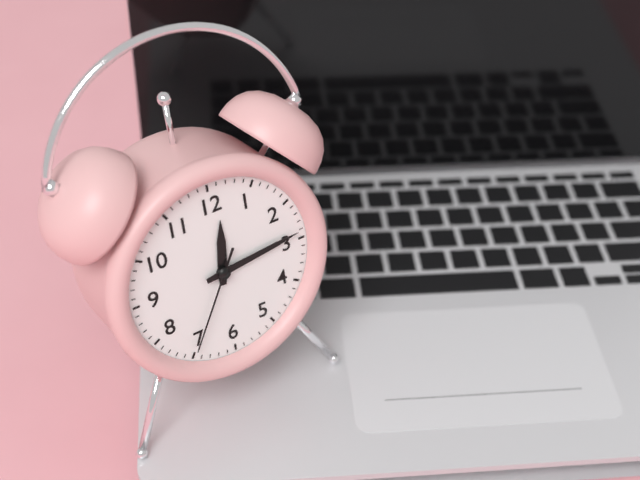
**12:14:35**
